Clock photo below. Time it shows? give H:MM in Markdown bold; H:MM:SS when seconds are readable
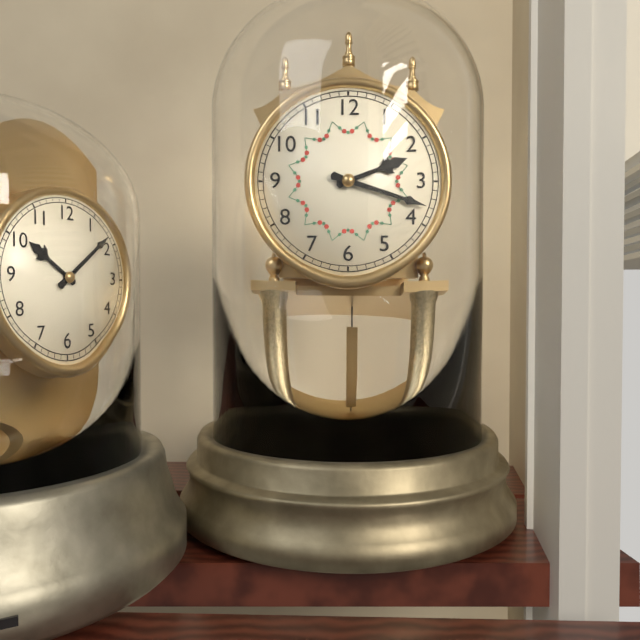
**2:18**
